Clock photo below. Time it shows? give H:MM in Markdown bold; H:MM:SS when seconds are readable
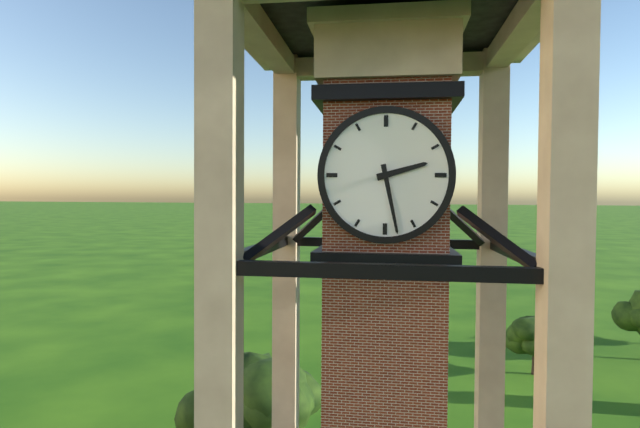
**2:28**
